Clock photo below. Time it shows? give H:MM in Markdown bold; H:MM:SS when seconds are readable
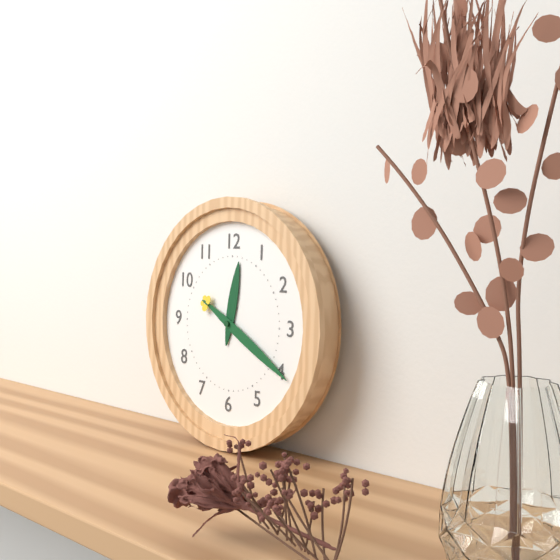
**12:20**
